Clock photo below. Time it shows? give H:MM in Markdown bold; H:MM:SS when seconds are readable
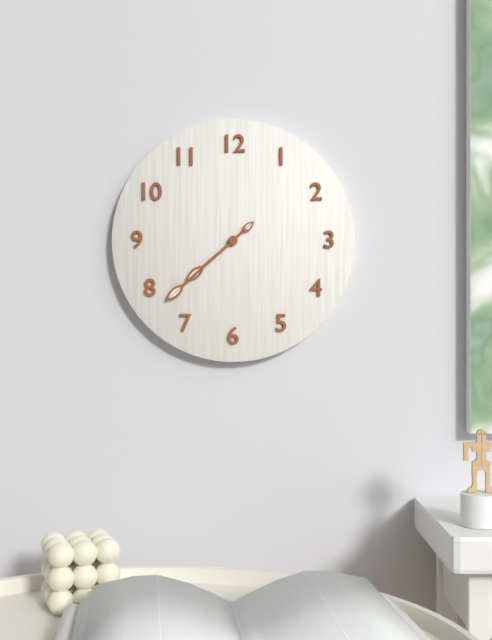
**7:38**
